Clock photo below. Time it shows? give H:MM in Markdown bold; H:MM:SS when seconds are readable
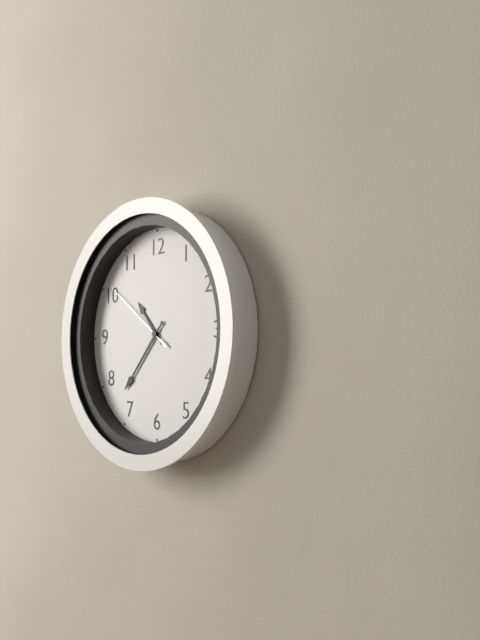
**10:37:51**
